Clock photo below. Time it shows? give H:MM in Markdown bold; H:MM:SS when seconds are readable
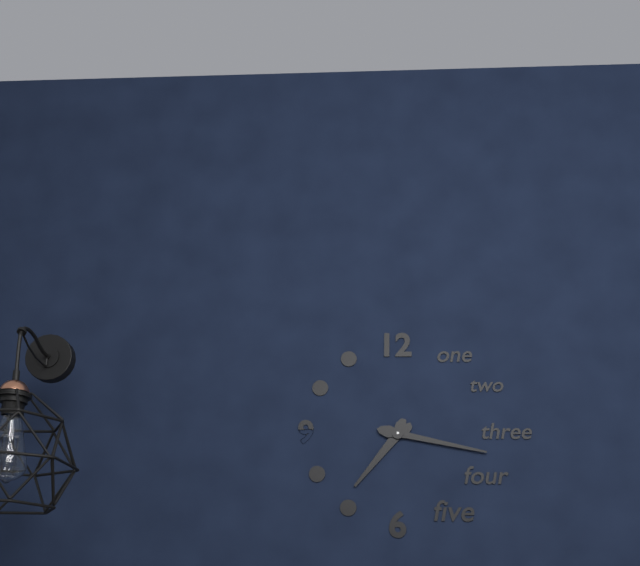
**7:17**
